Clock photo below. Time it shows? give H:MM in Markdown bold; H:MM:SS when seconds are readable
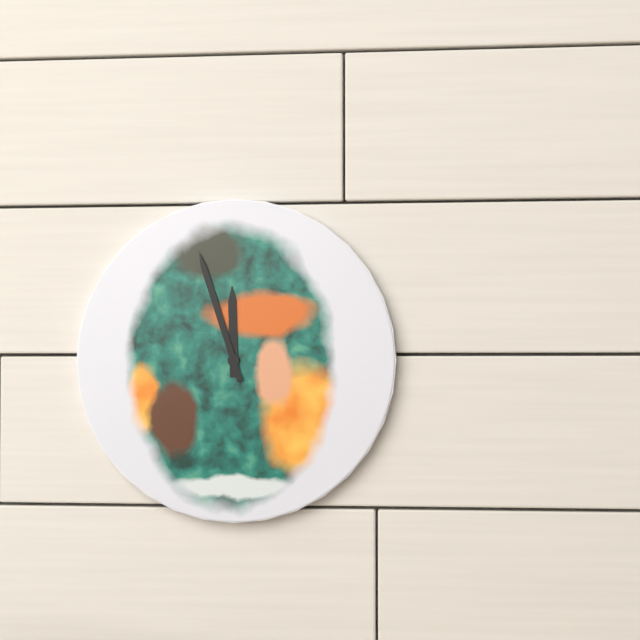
**11:57**
